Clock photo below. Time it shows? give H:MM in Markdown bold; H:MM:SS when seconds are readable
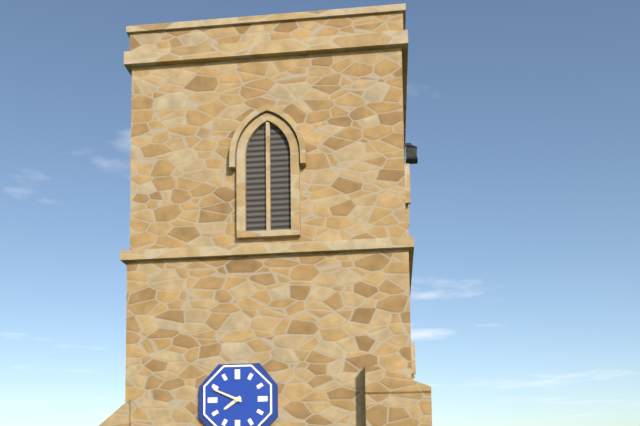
**7:49**
